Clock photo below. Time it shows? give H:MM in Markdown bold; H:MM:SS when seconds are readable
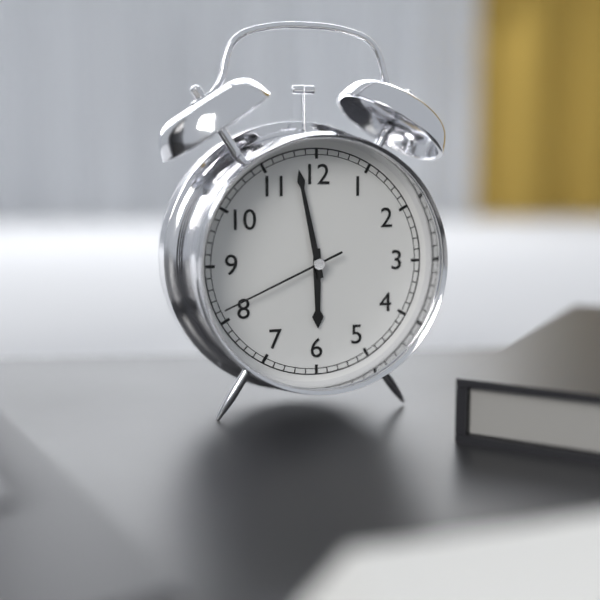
**5:58:41**
